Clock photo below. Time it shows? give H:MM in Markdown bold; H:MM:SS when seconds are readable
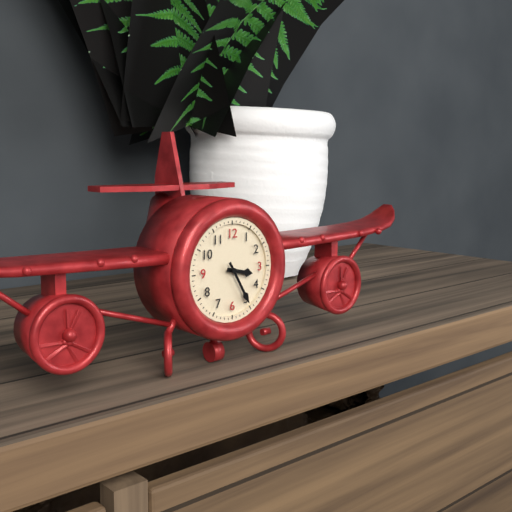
**3:25**
